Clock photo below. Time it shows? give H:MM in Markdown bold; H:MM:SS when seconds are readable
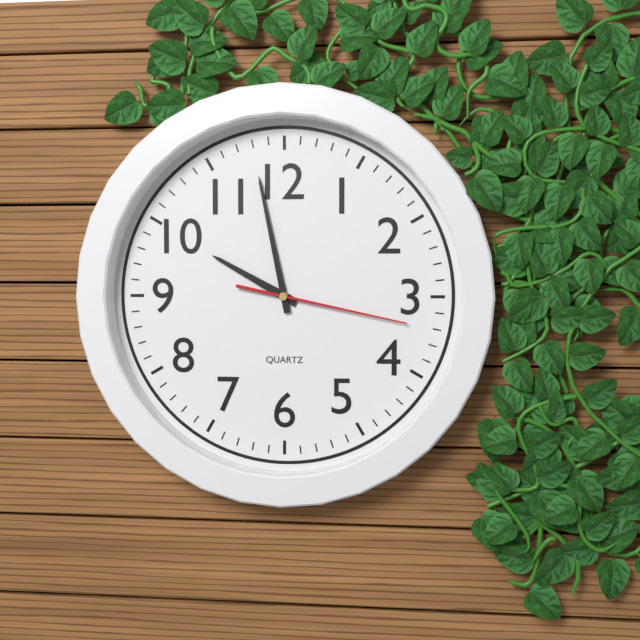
**9:58:17**
